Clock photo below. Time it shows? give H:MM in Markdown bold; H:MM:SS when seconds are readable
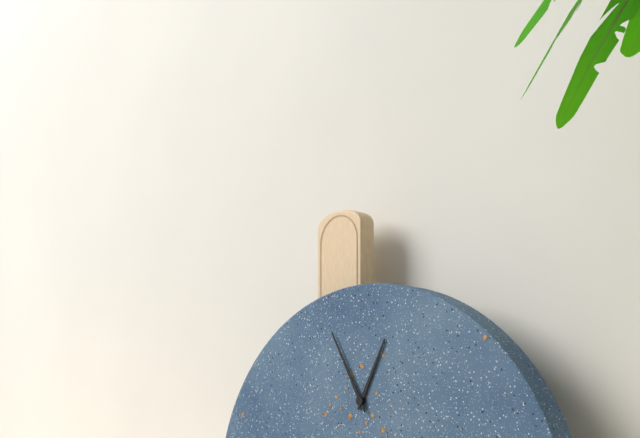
**12:55**
